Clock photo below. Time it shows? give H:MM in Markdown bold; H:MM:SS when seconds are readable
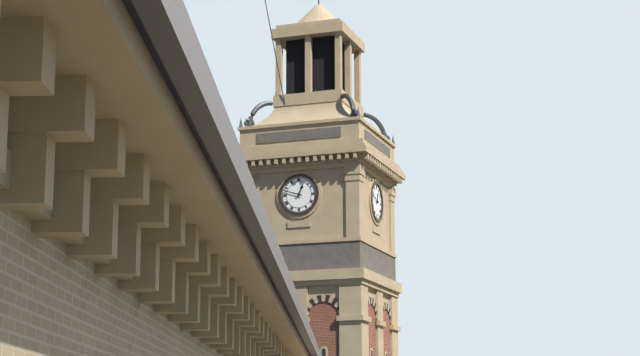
**12:48**
